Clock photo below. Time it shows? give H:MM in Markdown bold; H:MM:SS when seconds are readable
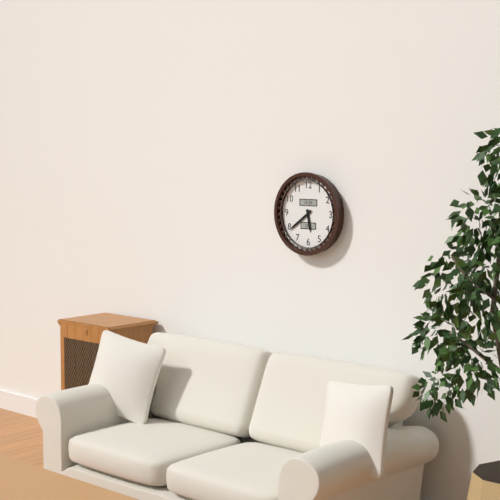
**5:39**
